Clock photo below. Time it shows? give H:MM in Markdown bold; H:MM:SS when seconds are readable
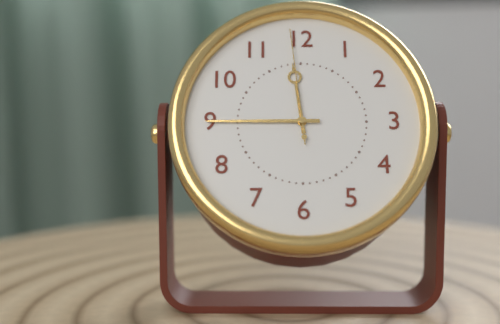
**11:45:59**
